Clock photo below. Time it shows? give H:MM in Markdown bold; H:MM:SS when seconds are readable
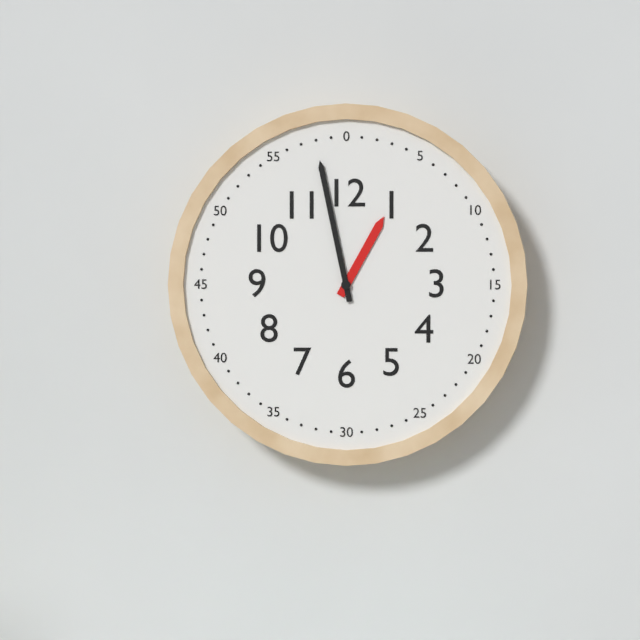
**12:58**
